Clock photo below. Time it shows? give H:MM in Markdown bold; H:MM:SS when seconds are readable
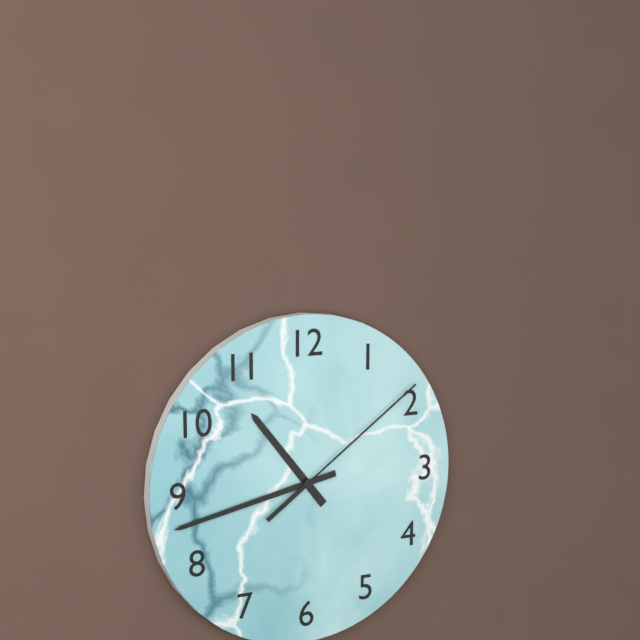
**10:43:09**
